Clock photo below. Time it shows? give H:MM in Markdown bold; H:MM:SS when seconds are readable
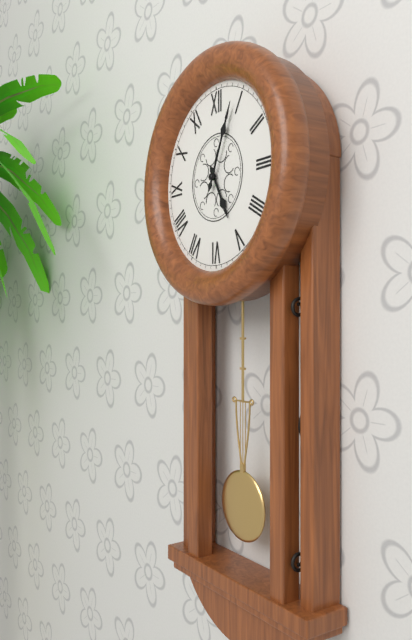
**5:04**
